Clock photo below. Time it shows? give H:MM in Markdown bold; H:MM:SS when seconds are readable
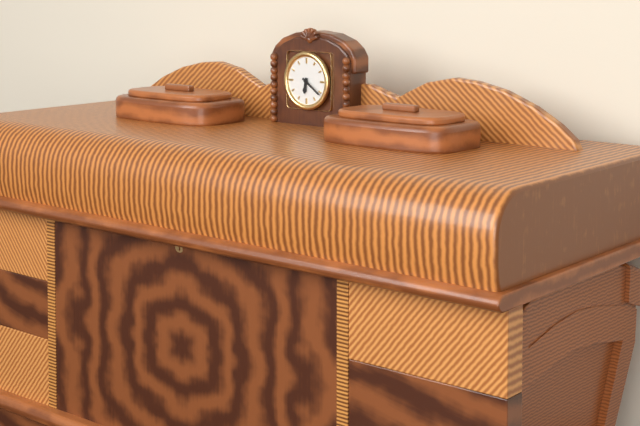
**6:21**
